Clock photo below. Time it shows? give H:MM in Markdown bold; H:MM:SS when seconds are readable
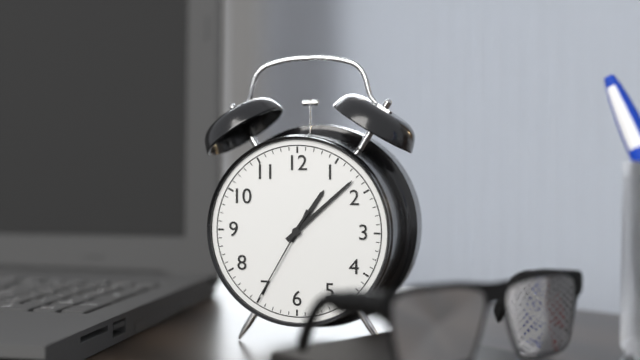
**1:08:35**
